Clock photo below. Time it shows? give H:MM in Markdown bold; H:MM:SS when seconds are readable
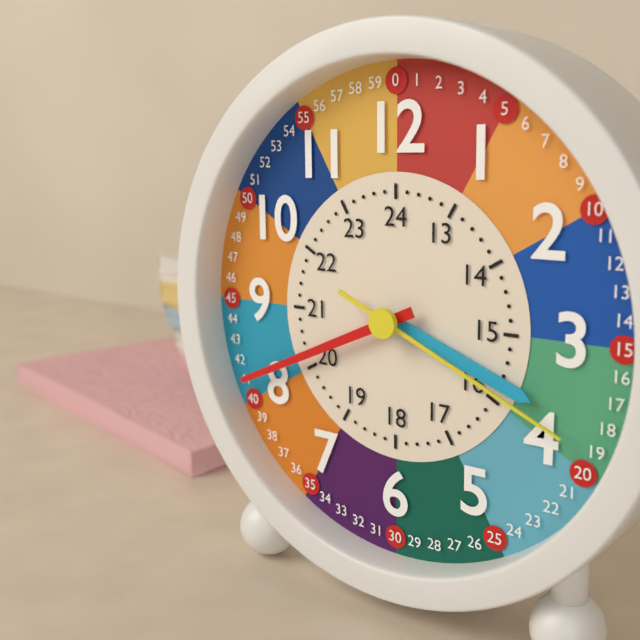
**3:41:19**
